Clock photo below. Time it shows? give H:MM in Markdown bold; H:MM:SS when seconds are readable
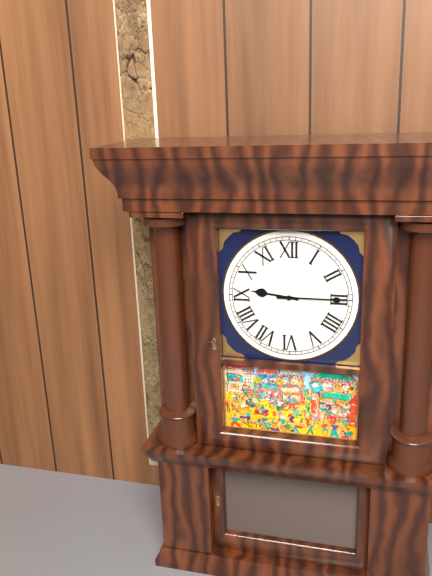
**9:15**
